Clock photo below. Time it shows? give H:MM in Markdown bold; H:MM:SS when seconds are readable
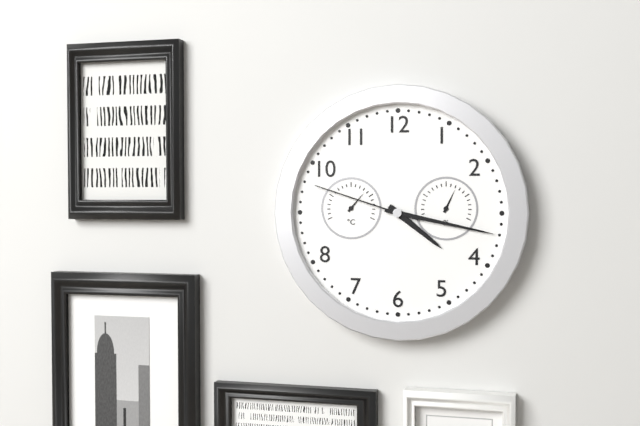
**4:17:48**
